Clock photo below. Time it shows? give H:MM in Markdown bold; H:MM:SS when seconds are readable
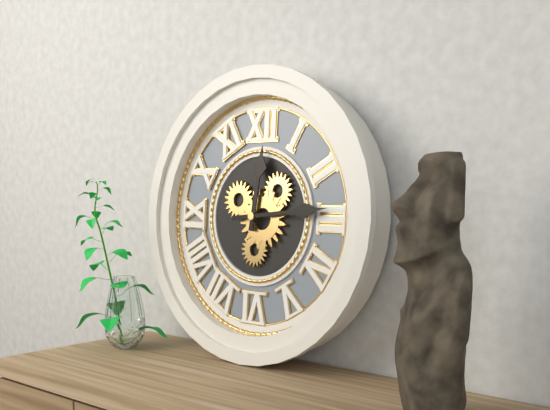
**12:14**
